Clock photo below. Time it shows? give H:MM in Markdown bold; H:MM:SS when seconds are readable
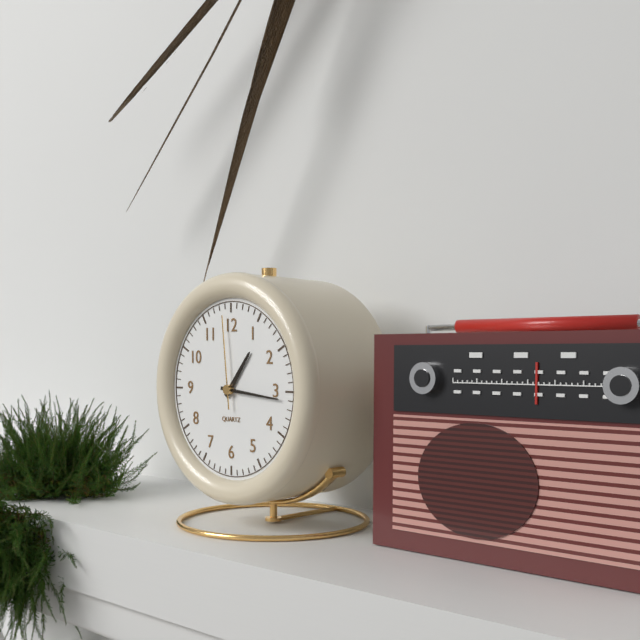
**1:16:59**
